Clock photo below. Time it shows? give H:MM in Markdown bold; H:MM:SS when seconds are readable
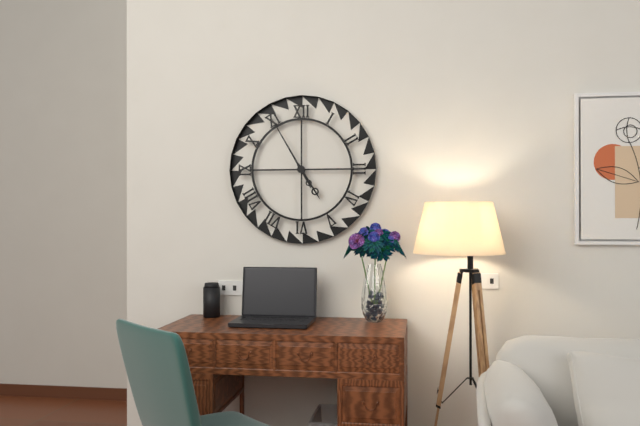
**4:55**
